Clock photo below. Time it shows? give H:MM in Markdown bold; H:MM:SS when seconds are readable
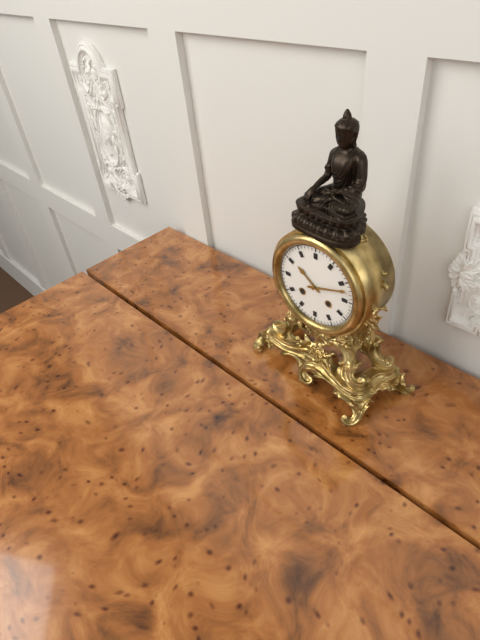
**10:12**
